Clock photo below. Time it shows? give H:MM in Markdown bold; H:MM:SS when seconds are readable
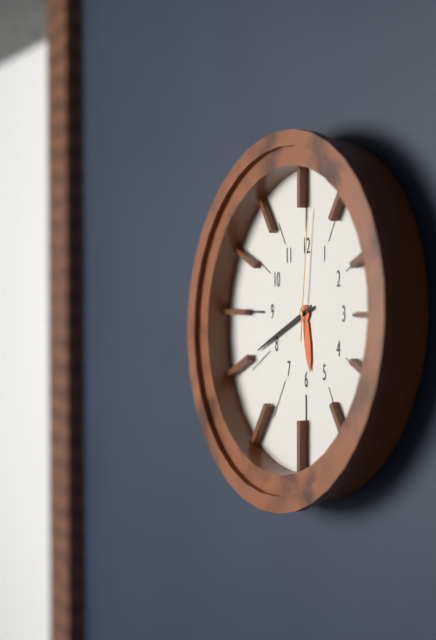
**5:41:01**
